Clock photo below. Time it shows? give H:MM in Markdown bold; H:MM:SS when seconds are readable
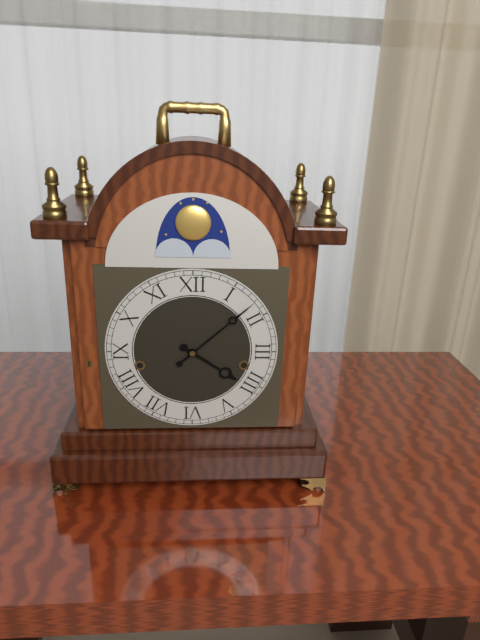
**4:08**
